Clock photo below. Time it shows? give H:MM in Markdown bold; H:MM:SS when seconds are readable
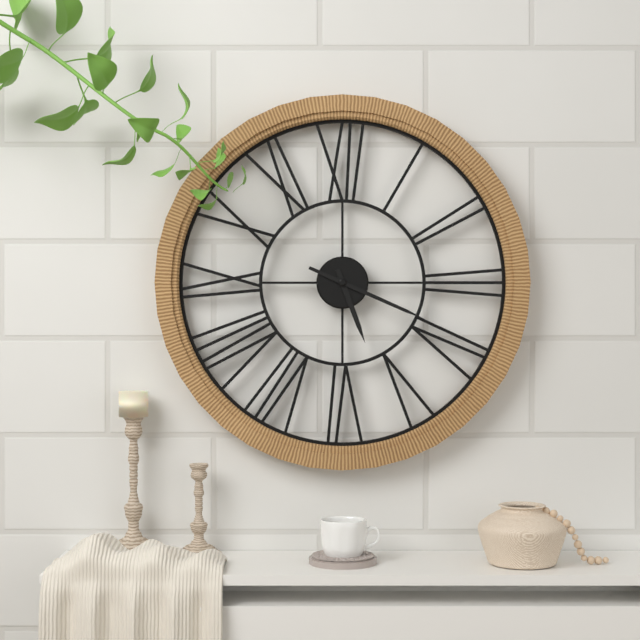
**5:19**
